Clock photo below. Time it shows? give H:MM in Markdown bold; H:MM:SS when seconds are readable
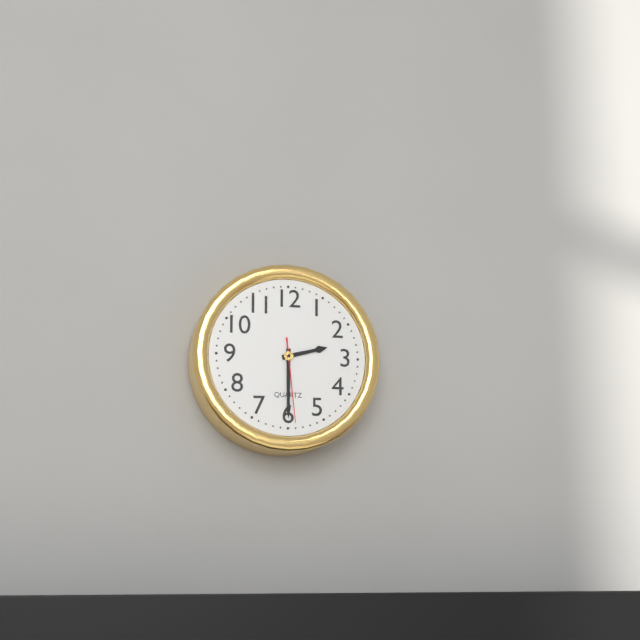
**2:30:29**
